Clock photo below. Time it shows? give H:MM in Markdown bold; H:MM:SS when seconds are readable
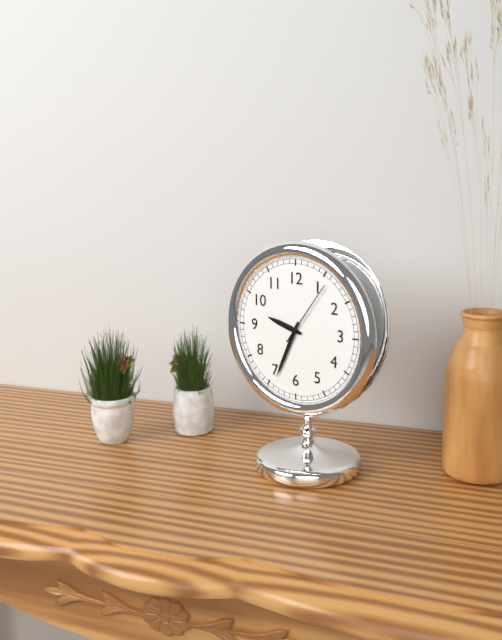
**9:34:06**
